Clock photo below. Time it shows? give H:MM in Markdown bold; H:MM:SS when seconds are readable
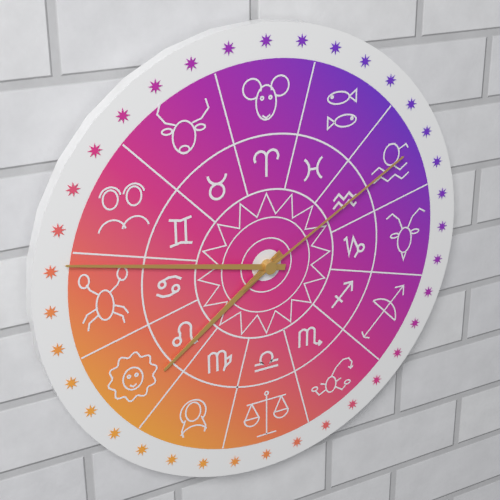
**7:47:10**
